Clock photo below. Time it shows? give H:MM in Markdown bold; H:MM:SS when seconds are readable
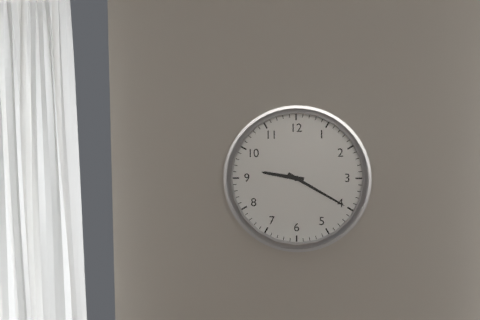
**9:20**
